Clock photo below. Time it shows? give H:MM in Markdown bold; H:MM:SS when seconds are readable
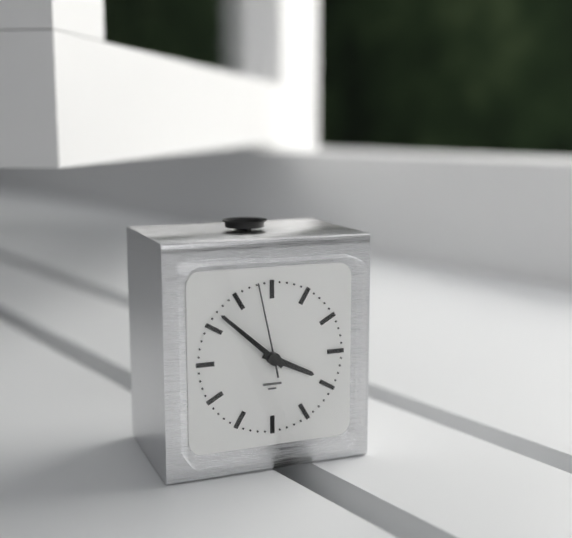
**3:52:58**
